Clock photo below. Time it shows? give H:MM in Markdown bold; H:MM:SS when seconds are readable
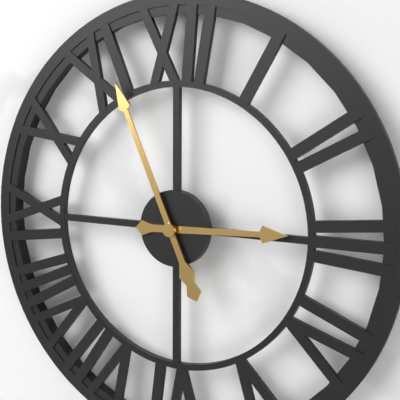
**2:56**
